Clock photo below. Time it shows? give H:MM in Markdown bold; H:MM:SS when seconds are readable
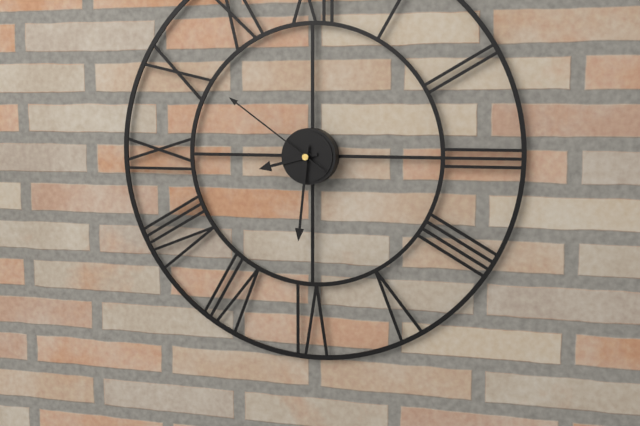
**8:31:51**
